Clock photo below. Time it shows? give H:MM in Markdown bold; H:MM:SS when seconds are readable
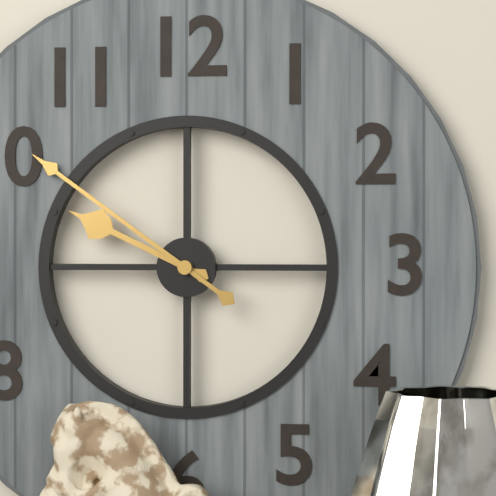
**9:51**
